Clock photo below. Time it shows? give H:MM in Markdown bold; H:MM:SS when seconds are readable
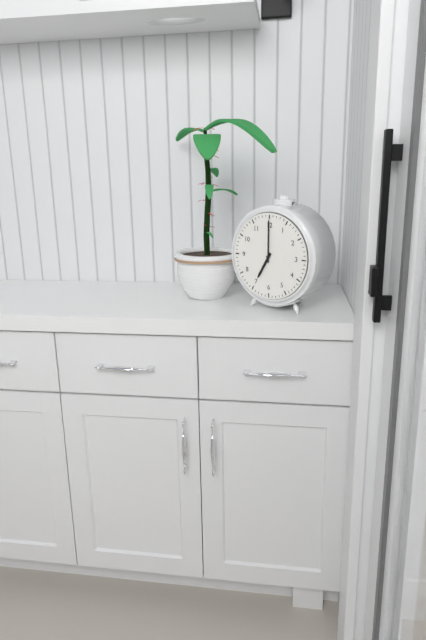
**7:00**
